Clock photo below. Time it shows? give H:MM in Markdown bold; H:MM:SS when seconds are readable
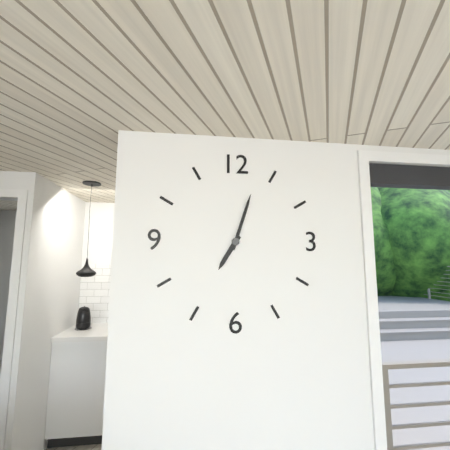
**7:03**
